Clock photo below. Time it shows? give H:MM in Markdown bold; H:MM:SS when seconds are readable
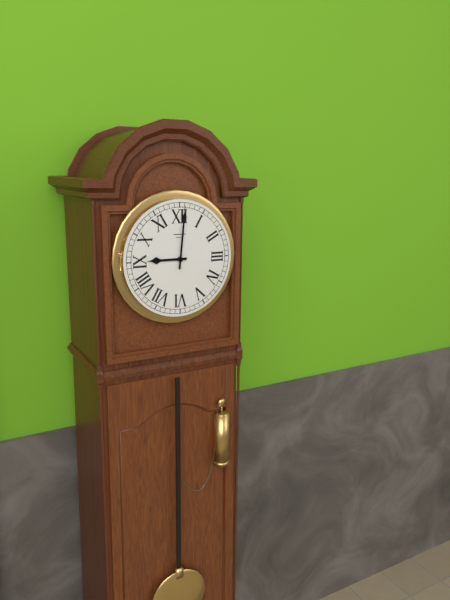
**9:01**
